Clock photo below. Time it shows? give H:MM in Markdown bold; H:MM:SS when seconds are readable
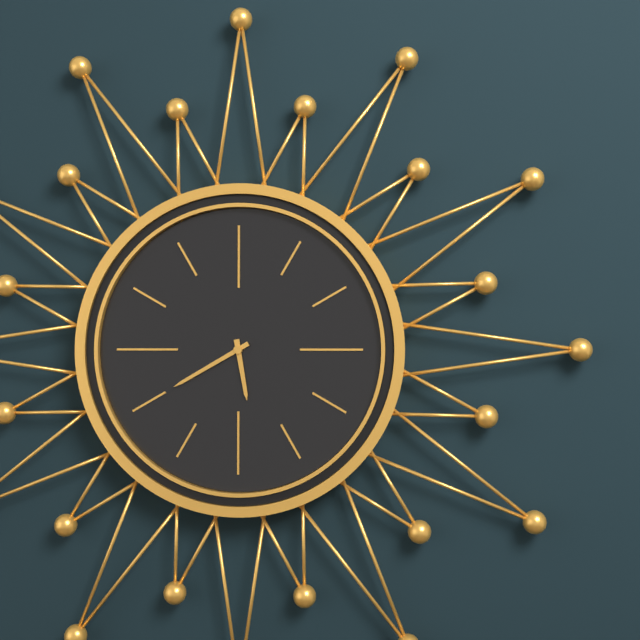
**5:40**
